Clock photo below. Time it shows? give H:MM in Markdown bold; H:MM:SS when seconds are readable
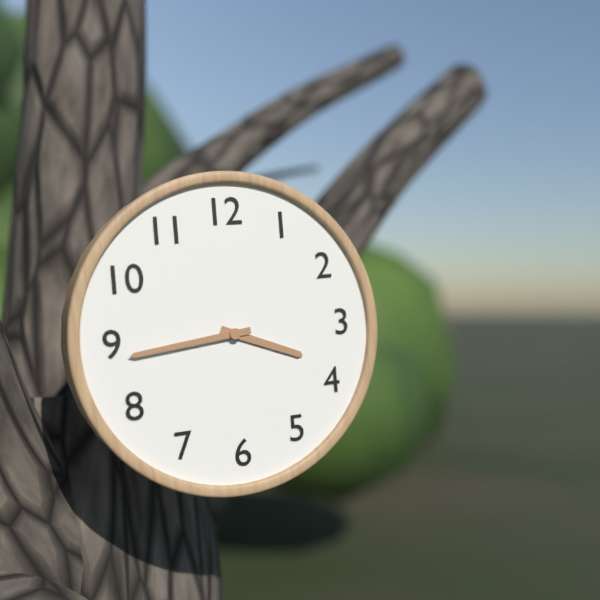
**3:44**
